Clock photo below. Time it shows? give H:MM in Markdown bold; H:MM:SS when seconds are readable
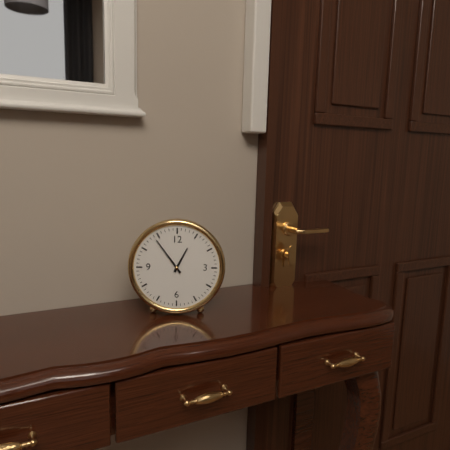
**12:54**
